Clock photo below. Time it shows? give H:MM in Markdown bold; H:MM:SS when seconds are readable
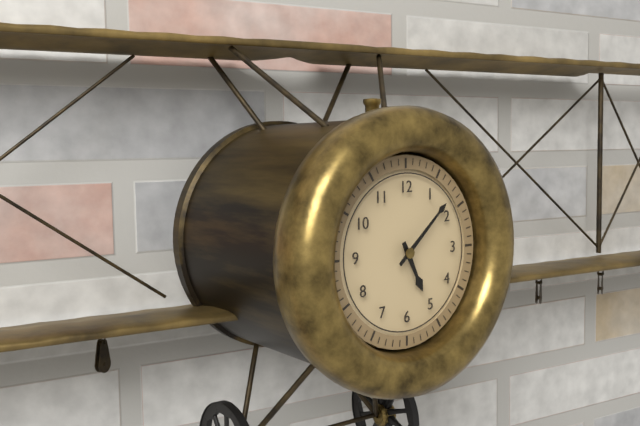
**5:08**
